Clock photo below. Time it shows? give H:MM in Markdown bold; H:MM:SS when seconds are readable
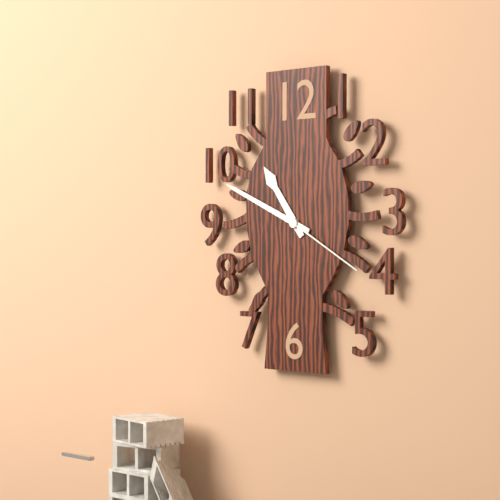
**10:49:20**
